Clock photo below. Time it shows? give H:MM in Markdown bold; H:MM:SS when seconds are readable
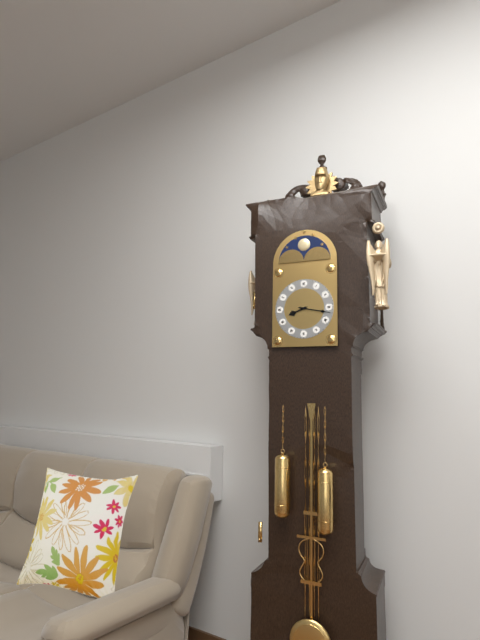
**8:17**
